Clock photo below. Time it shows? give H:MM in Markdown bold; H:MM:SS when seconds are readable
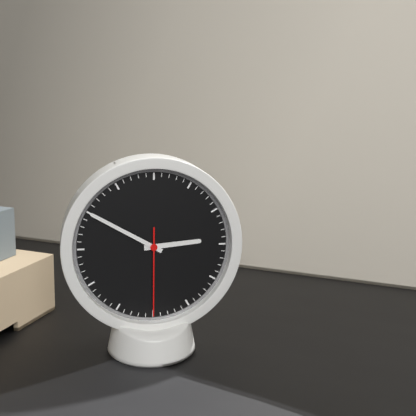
**2:50:30**
